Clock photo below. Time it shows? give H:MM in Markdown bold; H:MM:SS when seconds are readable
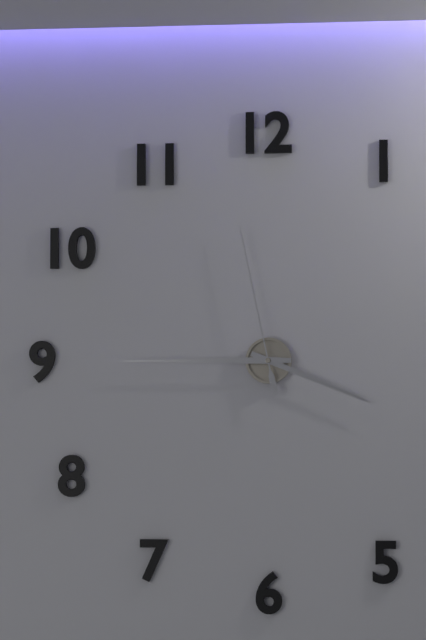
**3:45:58**
